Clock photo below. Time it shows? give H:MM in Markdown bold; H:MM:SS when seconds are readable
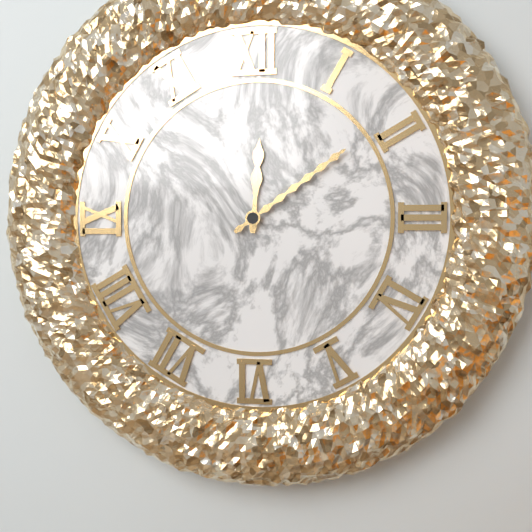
**12:09**
